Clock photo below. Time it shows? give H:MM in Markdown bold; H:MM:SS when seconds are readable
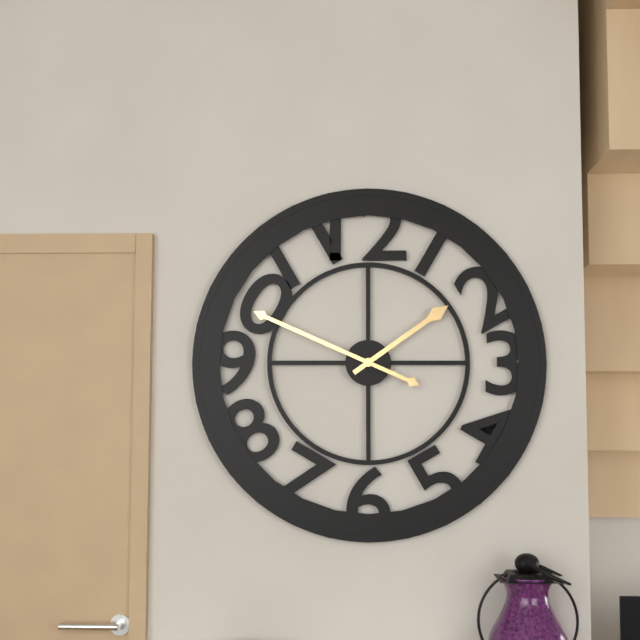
**1:49**
